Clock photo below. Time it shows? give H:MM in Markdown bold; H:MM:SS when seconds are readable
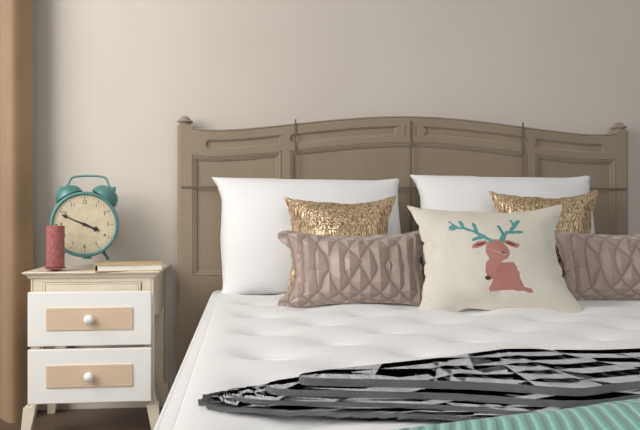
**3:49**
